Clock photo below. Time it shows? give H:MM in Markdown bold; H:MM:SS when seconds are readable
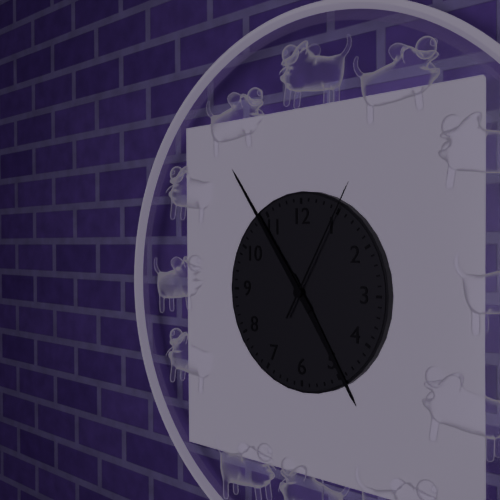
**4:54:05**
